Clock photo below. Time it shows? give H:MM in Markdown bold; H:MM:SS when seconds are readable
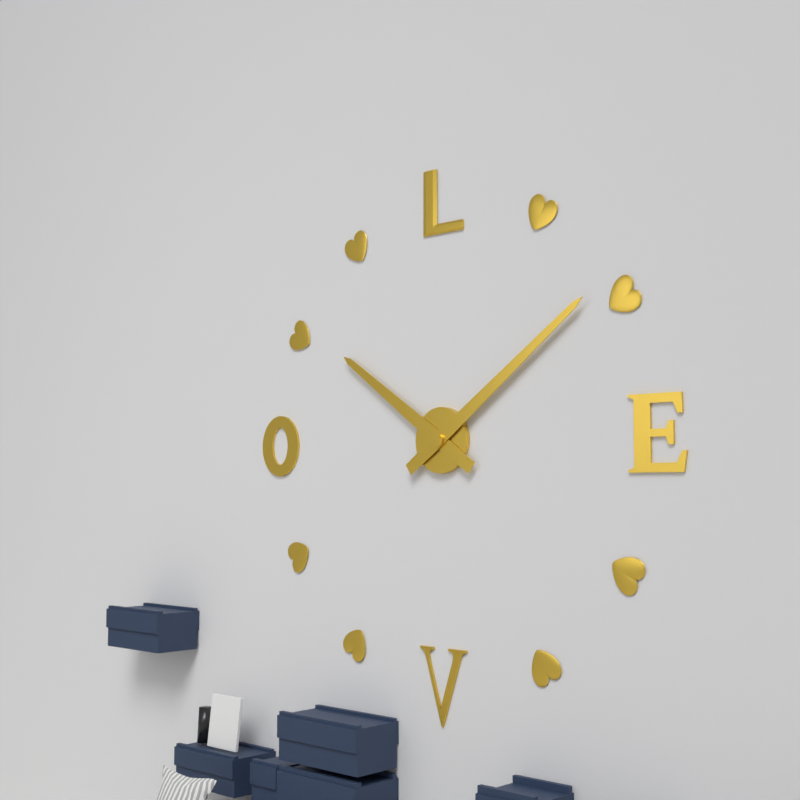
**10:09**
